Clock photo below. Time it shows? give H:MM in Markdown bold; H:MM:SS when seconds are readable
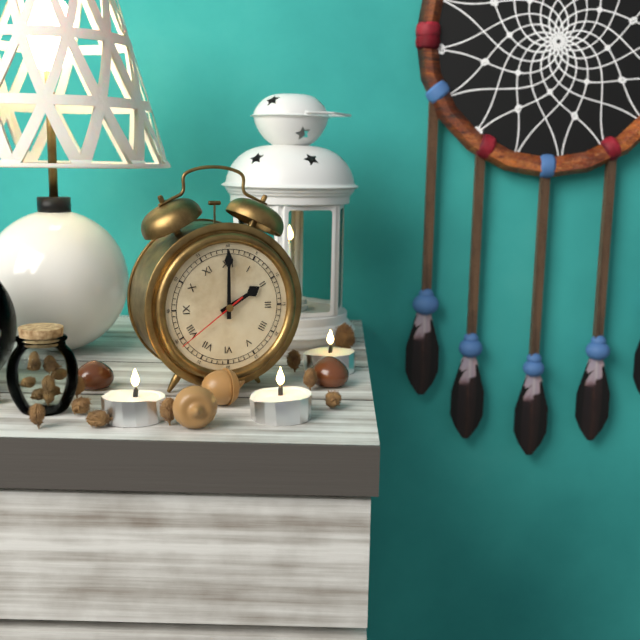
**2:00:39**
